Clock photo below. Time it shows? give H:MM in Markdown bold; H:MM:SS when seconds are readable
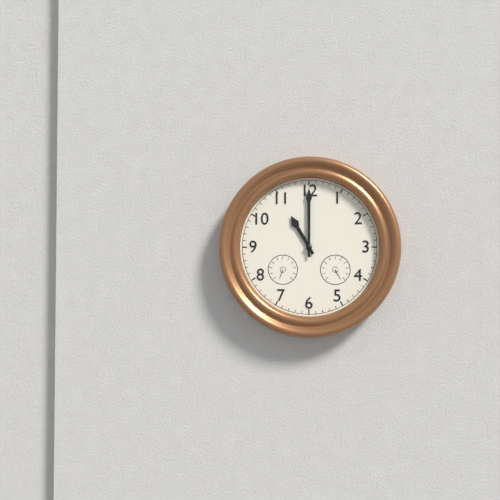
**11:00**
